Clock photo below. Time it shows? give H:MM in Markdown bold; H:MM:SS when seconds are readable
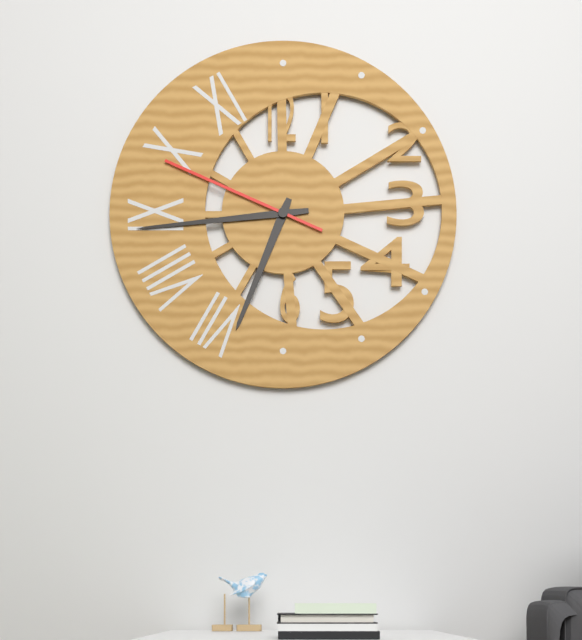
**6:44:49**
